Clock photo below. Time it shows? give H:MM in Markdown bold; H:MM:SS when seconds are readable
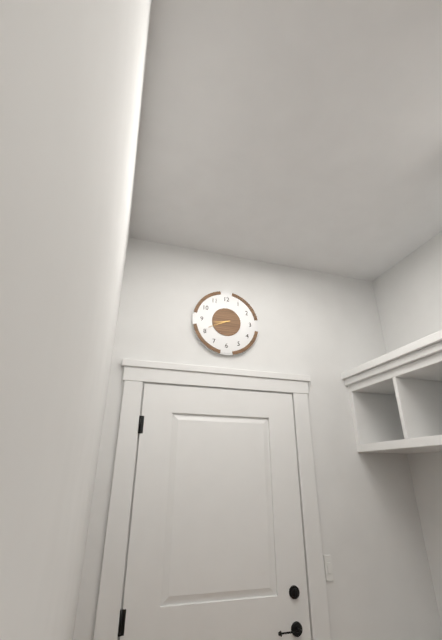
**8:41**
